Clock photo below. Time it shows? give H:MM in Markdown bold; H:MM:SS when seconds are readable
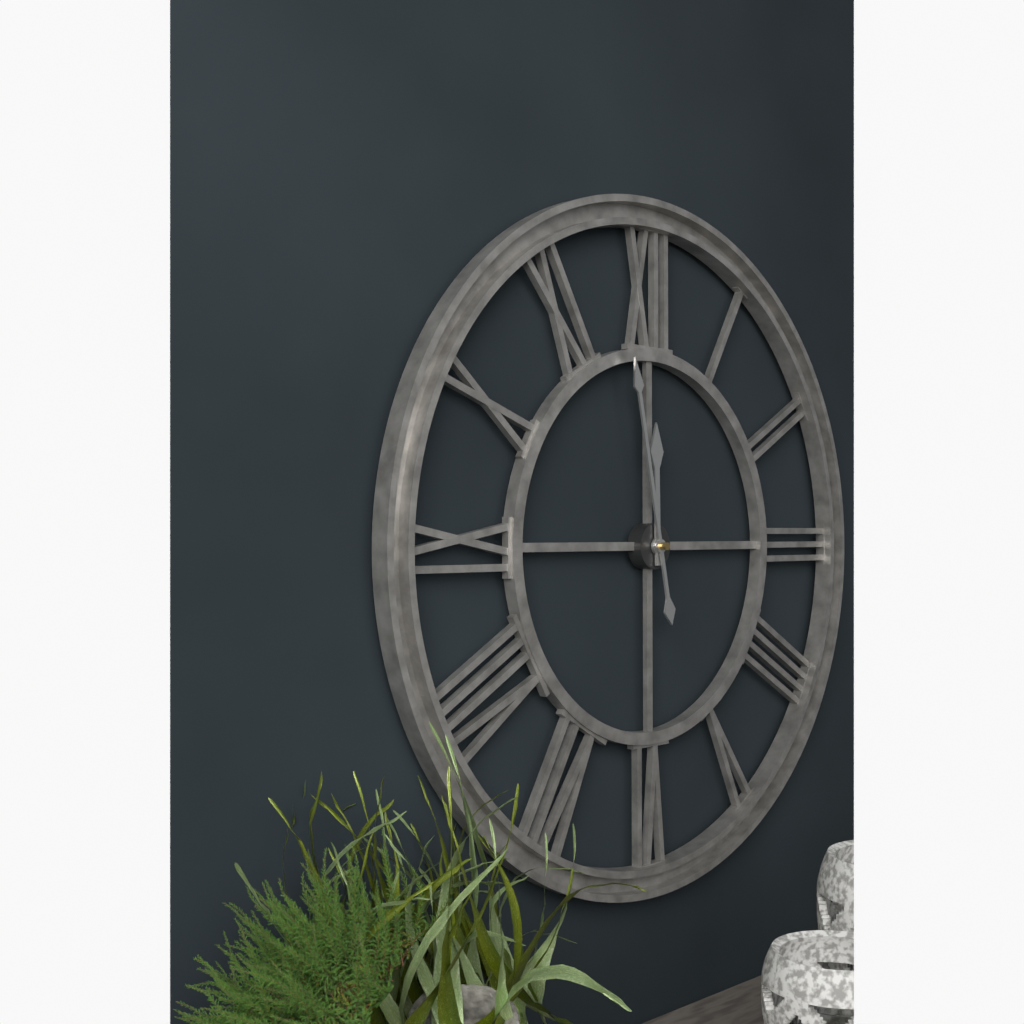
**11:58**
